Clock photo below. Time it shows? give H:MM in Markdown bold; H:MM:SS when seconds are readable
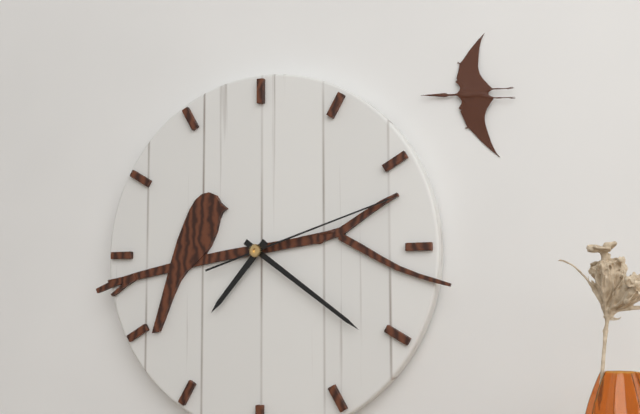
**7:21:12**
